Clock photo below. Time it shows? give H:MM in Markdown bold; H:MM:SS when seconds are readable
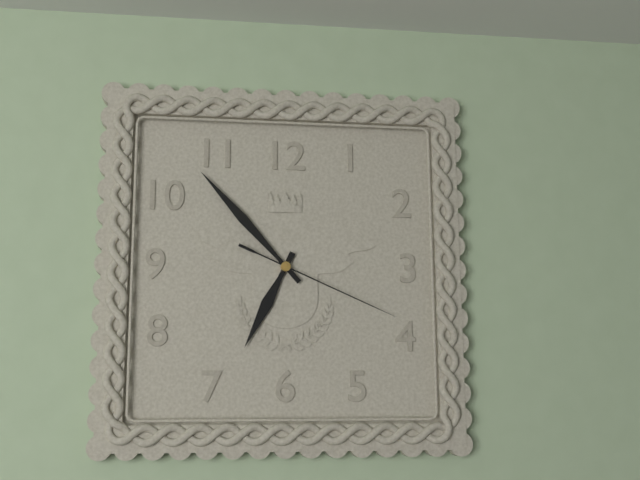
**6:53:19**
